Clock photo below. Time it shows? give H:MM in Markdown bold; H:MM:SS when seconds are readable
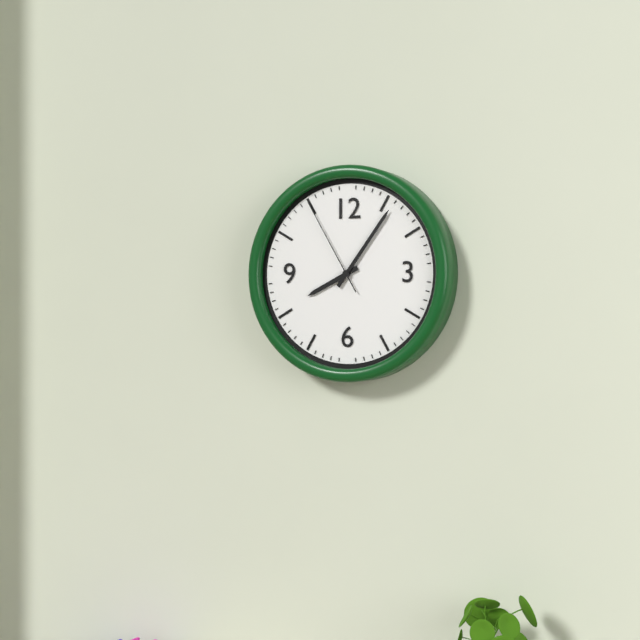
**8:06:55**
